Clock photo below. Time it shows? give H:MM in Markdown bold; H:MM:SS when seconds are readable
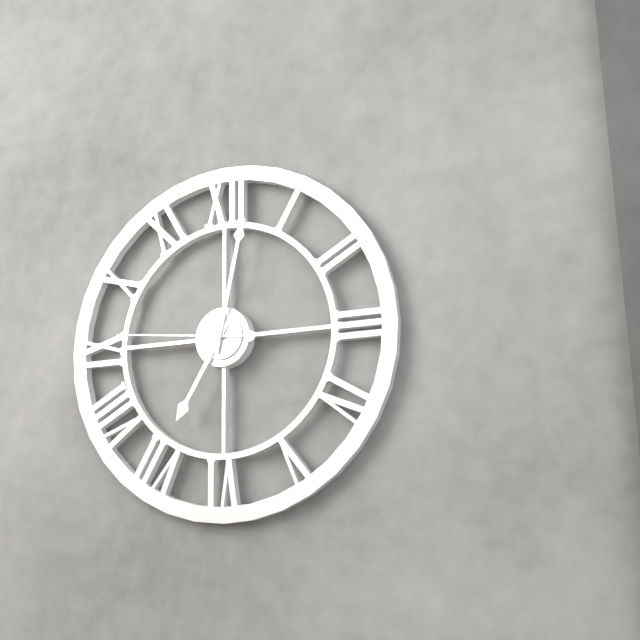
**7:02:46**
